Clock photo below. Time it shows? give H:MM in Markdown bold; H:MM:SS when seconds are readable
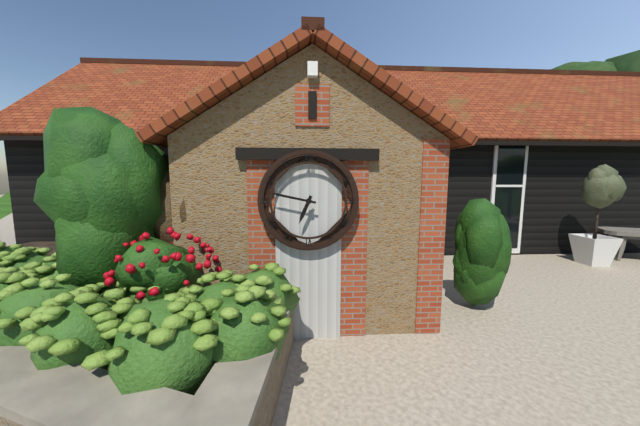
**6:47**
